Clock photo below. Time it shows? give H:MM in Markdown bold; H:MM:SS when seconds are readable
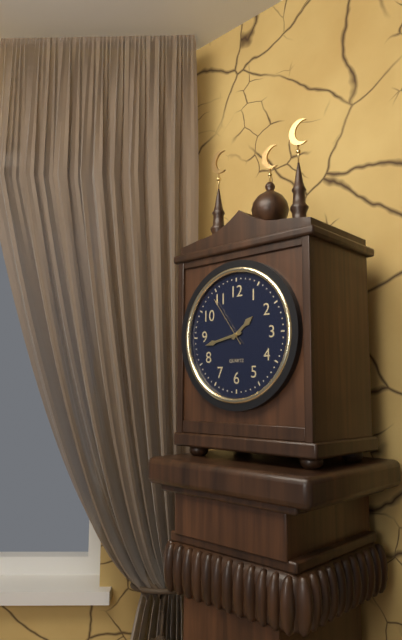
**1:43:54**
